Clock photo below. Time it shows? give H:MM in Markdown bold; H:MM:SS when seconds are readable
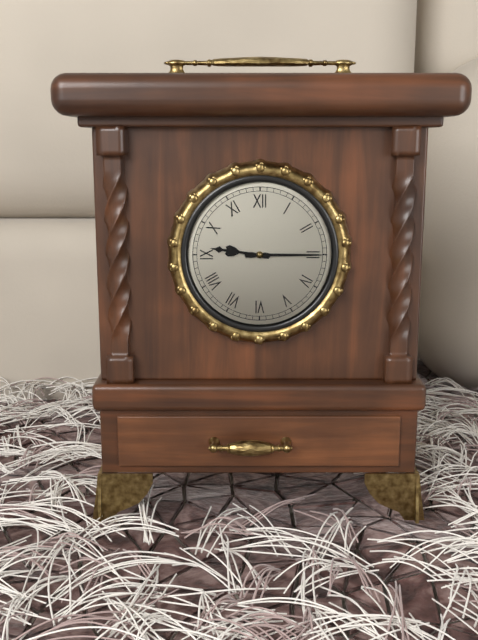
**9:15**
